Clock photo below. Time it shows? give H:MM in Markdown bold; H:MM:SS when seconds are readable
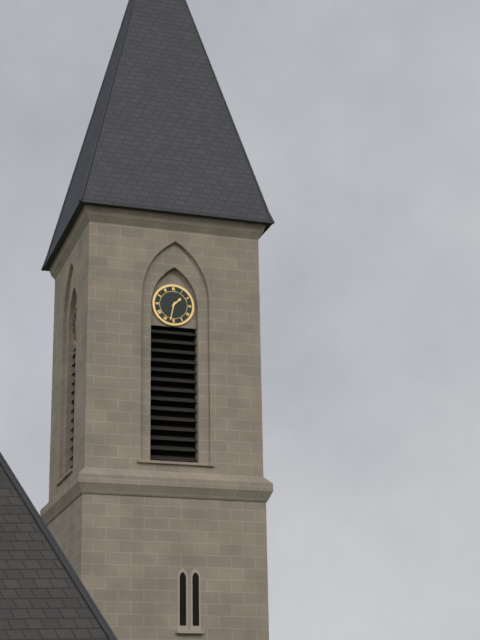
**1:32**
